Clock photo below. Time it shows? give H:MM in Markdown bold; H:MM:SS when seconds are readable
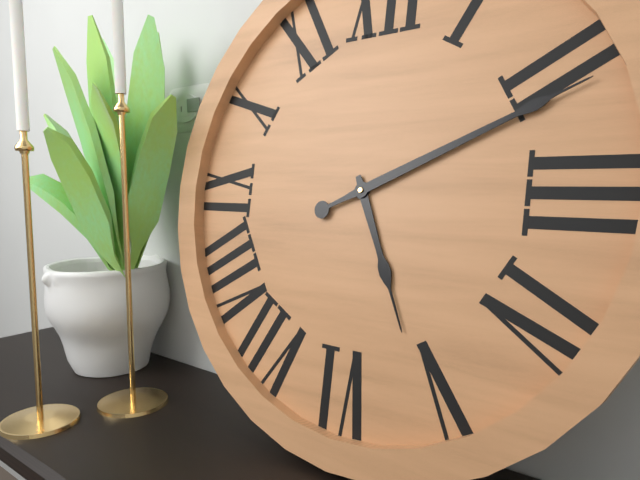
**5:11**
